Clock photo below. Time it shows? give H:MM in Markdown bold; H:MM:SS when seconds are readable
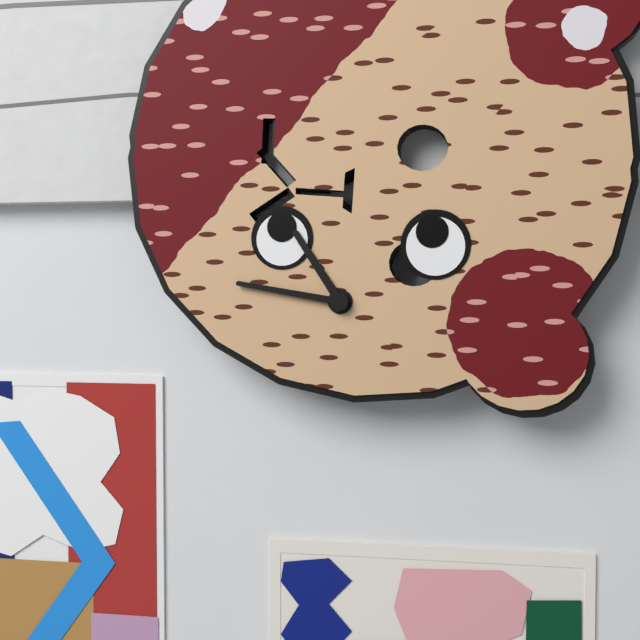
**10:46**
